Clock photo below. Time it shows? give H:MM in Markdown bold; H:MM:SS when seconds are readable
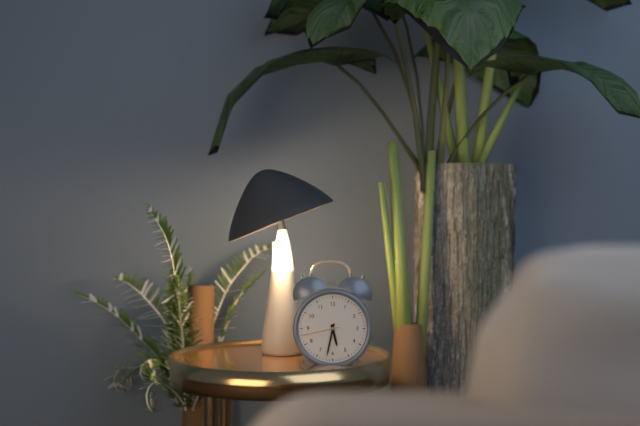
**5:32**
